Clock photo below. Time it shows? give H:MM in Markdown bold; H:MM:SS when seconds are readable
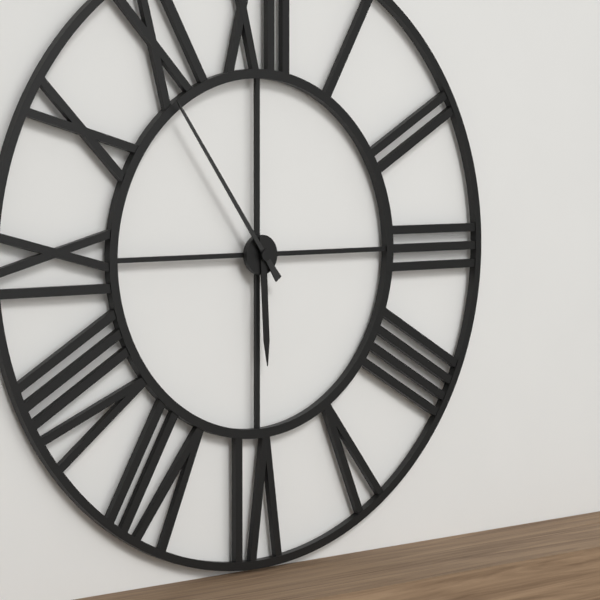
**5:54**
